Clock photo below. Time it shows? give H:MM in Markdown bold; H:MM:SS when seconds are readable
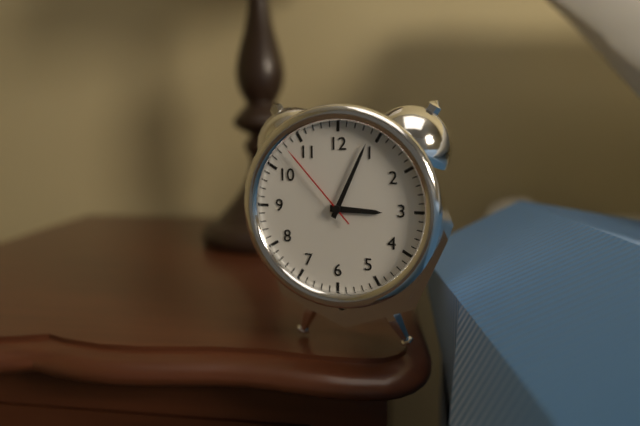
**3:04:53**
